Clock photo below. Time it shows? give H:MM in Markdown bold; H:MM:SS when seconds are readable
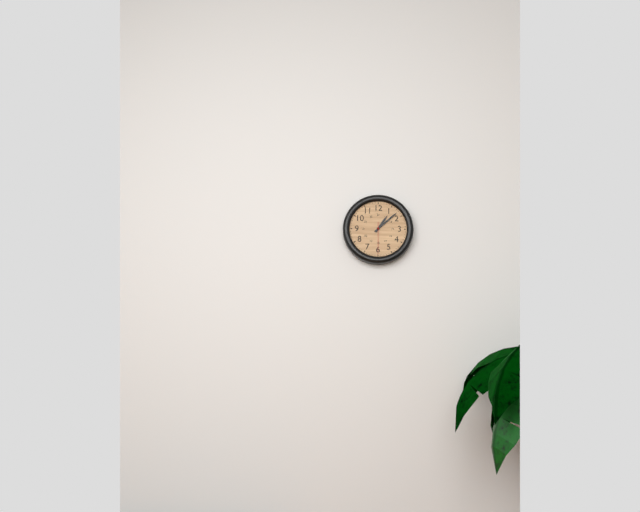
**1:08**
